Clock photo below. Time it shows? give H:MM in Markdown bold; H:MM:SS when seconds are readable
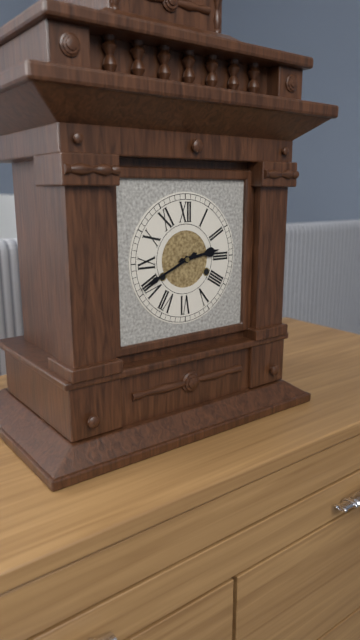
**2:41**
